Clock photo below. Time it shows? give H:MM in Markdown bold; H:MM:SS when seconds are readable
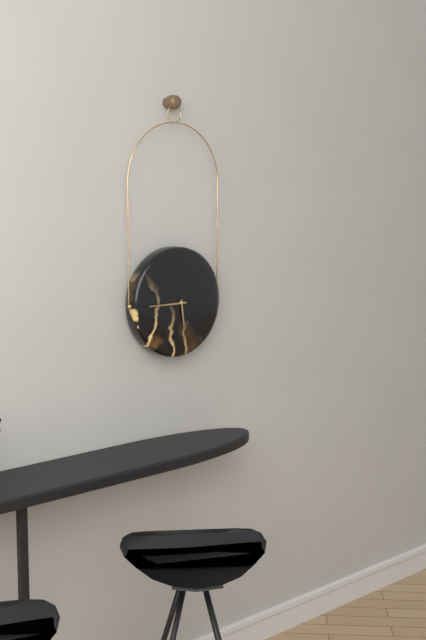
**5:45**
